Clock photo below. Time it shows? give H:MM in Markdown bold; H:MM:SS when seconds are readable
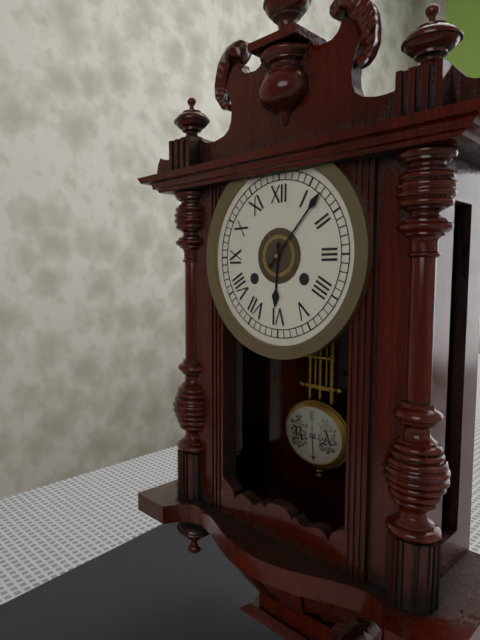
**6:07**
